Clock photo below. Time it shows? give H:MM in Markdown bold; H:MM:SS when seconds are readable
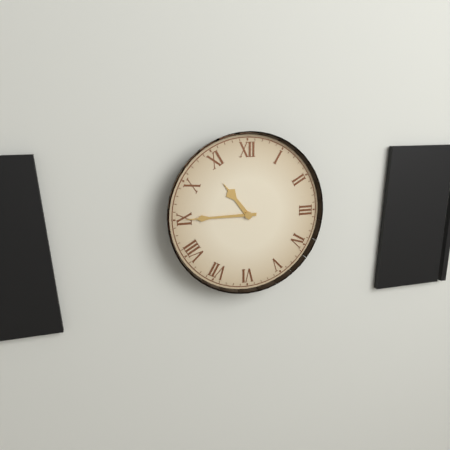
**10:45**
